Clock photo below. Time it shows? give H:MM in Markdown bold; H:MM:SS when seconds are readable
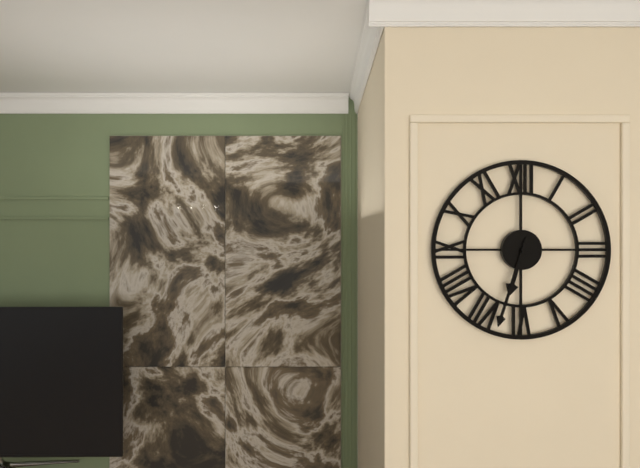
**6:33**
